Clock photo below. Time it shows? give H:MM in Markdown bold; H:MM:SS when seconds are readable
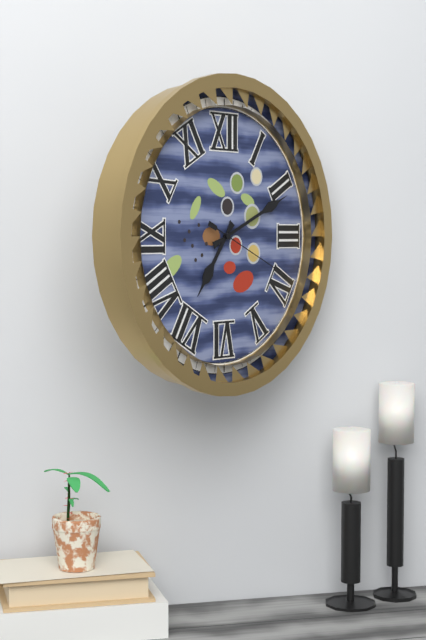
**7:11:19**
